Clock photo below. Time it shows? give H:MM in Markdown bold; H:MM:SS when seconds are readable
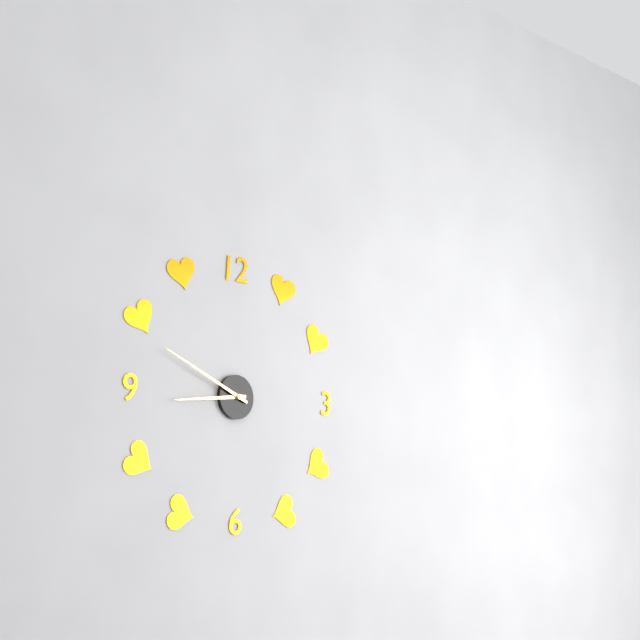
**8:49**
